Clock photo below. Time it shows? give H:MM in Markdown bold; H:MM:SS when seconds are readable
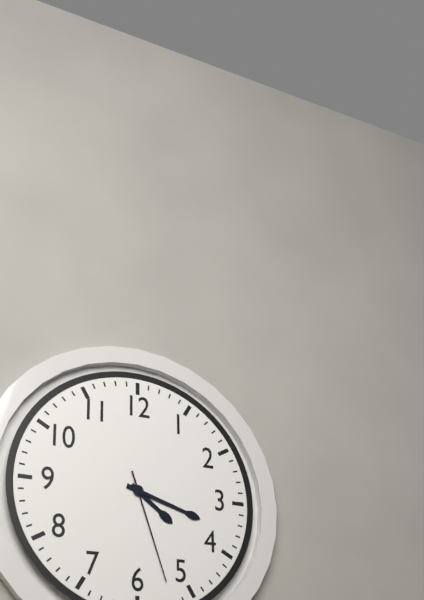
**4:18:27**
